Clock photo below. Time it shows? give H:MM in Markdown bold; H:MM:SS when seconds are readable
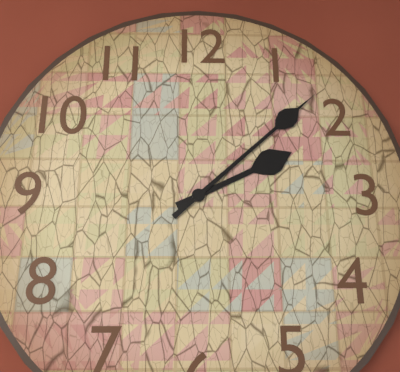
**2:08**
